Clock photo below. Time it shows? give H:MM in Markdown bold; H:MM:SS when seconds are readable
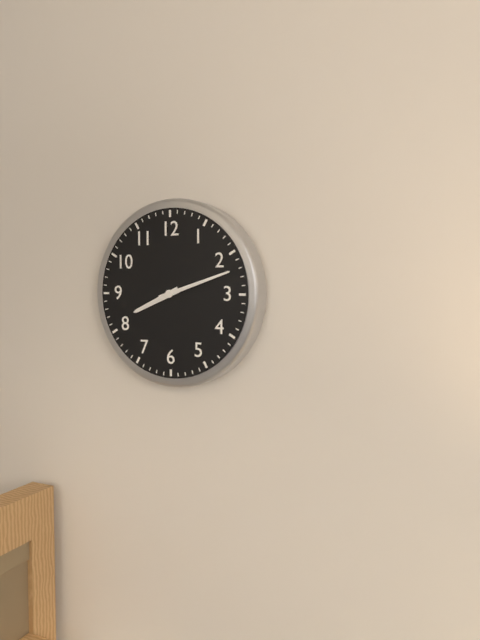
**8:12**
